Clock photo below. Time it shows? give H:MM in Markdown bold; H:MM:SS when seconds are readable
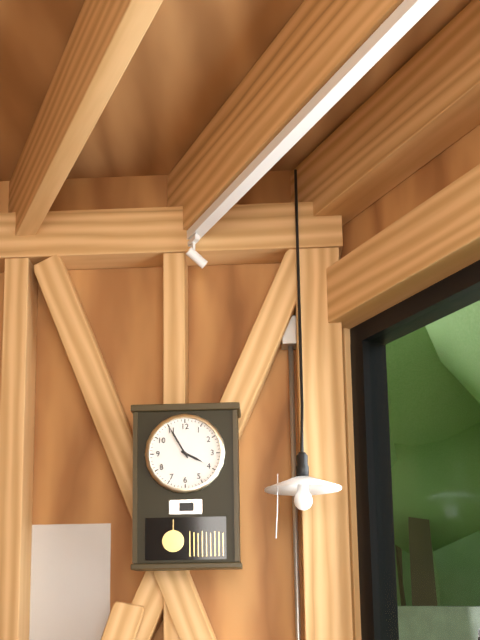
**3:55**
